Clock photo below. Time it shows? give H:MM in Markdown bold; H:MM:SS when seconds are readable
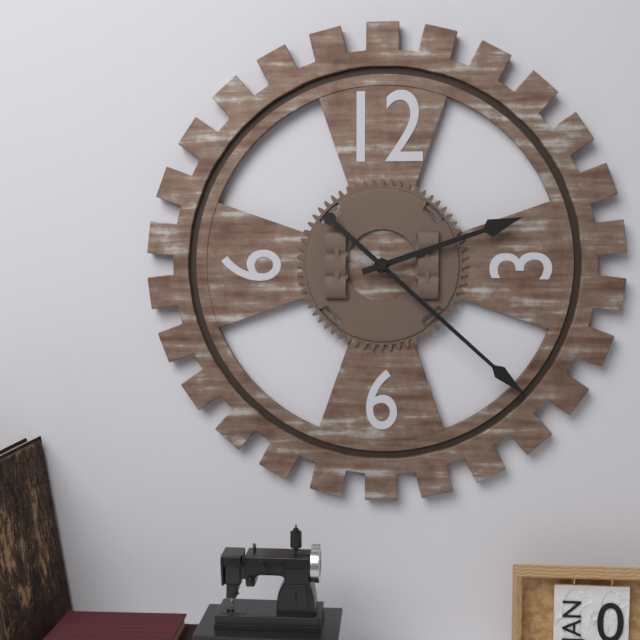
**2:22**
